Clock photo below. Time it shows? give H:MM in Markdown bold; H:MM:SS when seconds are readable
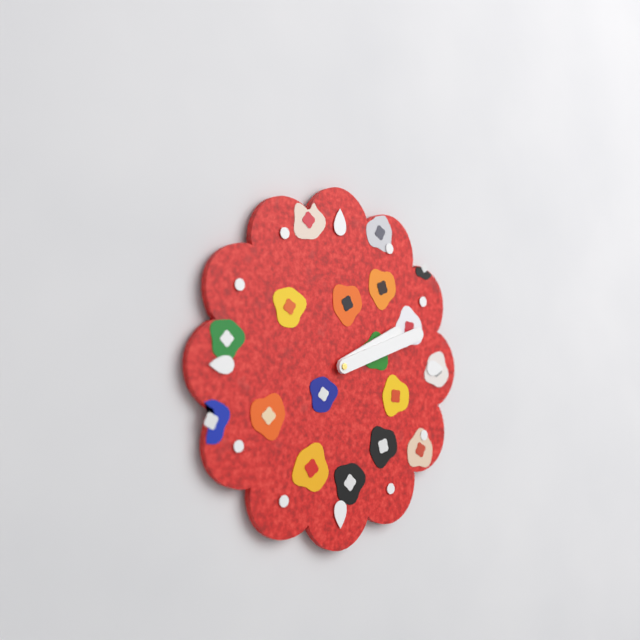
**2:12**
